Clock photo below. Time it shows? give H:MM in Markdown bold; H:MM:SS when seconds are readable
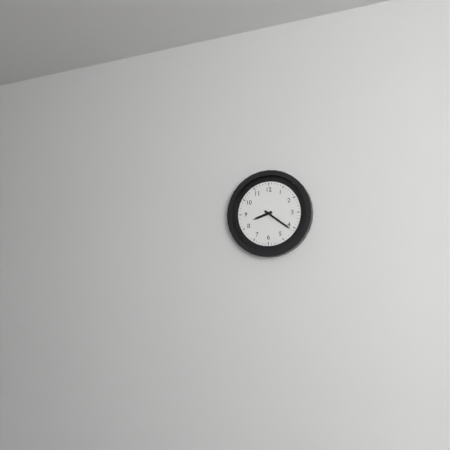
**8:21**
